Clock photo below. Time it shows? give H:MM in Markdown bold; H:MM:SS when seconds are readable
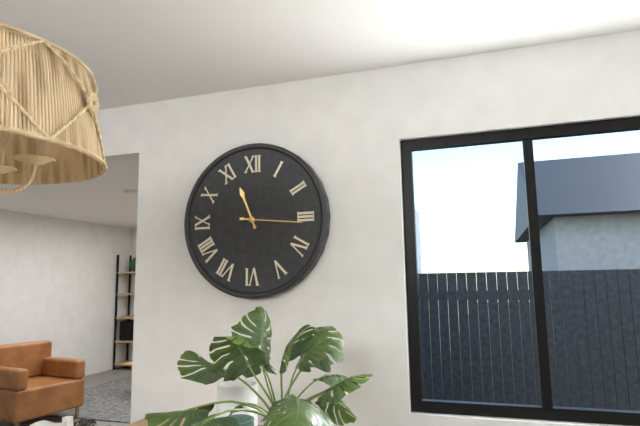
**11:16**
